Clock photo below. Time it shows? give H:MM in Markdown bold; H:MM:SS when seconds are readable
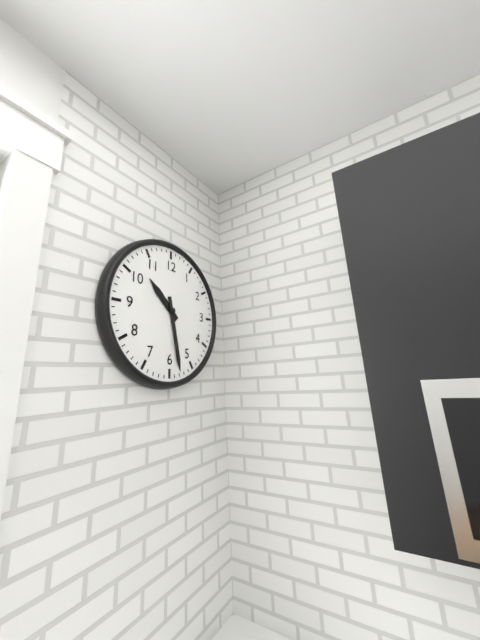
**10:28**
